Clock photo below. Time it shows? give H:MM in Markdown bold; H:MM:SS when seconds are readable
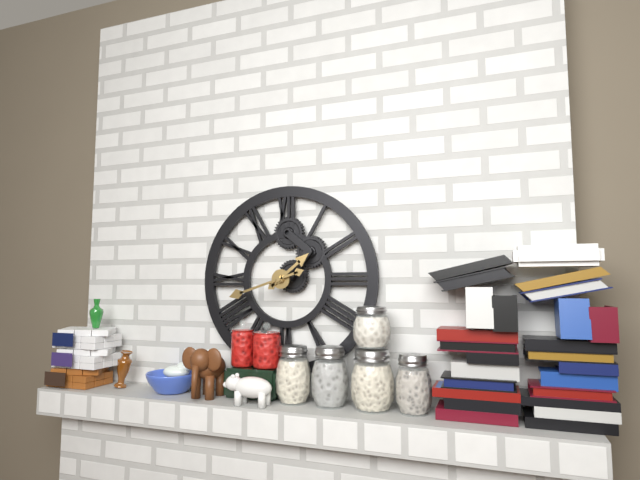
**1:42**
